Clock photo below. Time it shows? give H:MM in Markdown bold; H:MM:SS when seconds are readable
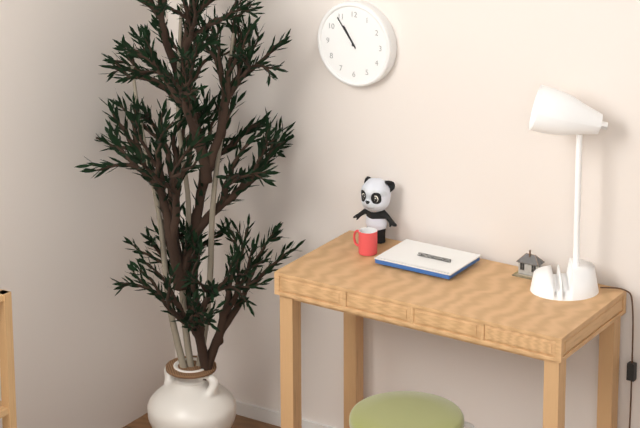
**10:54**
